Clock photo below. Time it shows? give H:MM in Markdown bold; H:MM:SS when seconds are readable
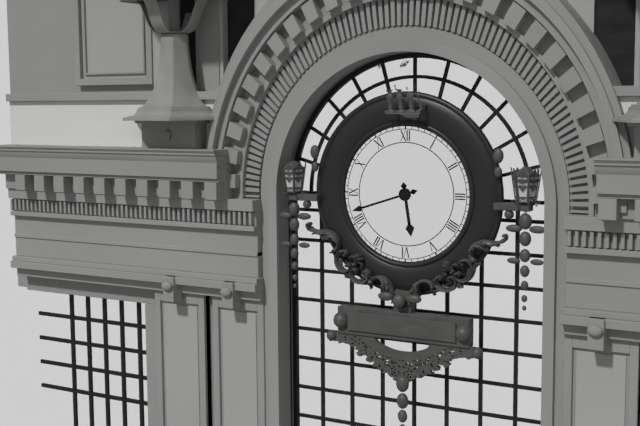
**5:42**
